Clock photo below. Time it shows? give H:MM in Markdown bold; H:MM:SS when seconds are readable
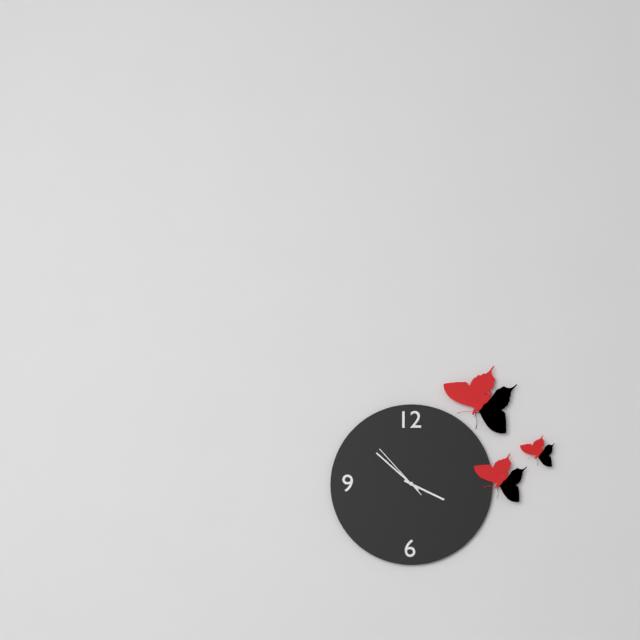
**3:52:53**
